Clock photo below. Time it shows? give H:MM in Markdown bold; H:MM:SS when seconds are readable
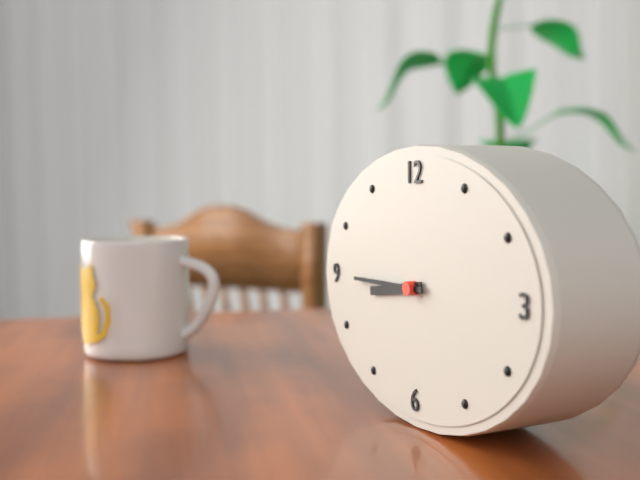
**8:45**
